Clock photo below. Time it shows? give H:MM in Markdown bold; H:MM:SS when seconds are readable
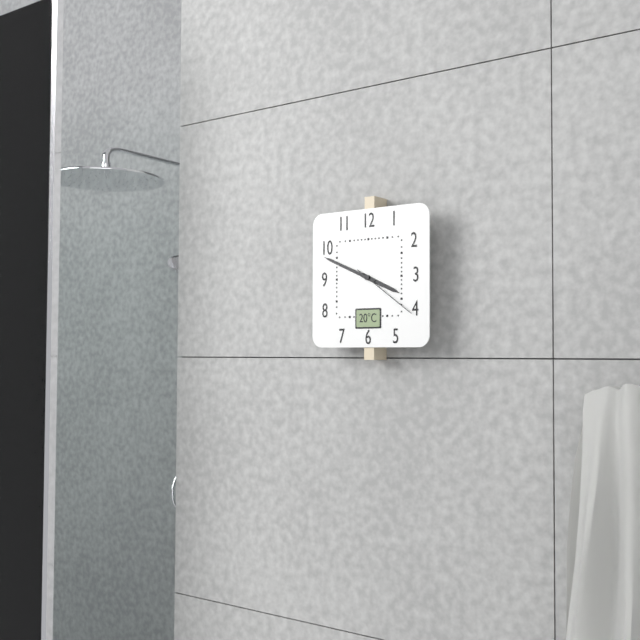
**3:49:21**
